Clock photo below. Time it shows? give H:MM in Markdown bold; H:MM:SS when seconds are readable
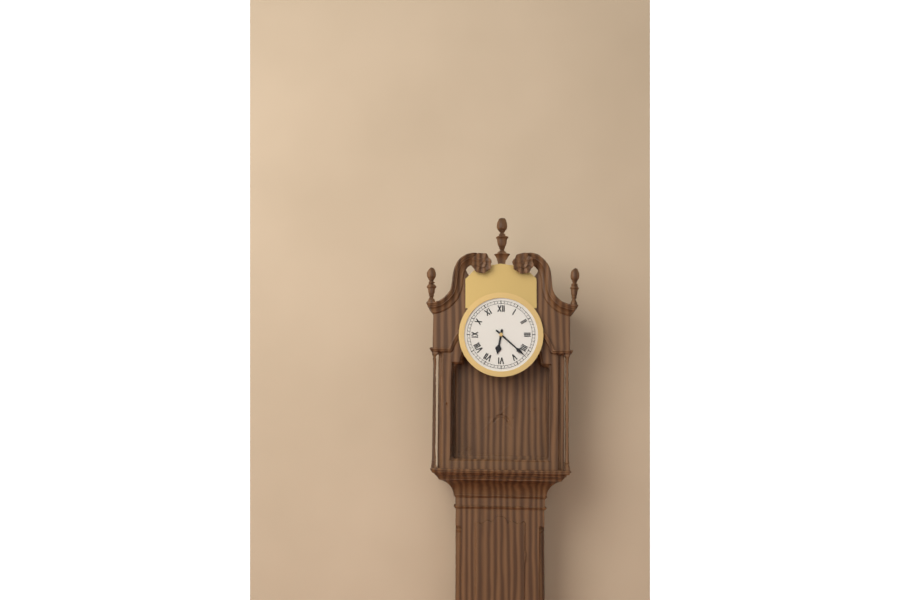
**6:22**
